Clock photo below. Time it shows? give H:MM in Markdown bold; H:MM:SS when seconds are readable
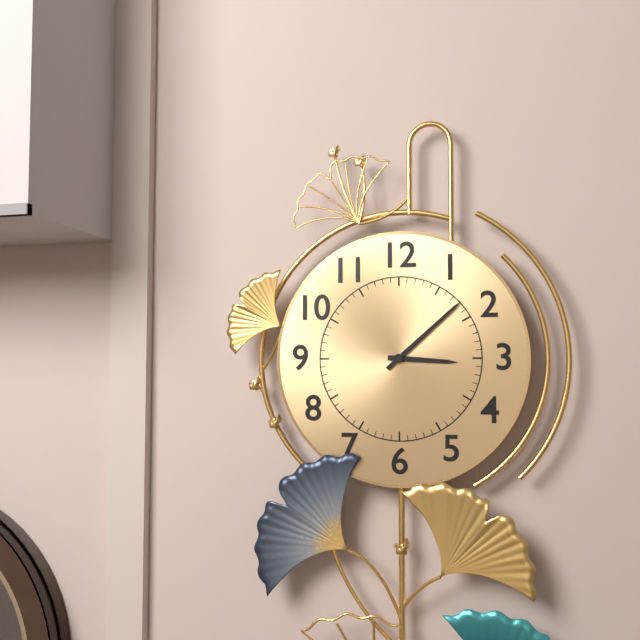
**3:08**
